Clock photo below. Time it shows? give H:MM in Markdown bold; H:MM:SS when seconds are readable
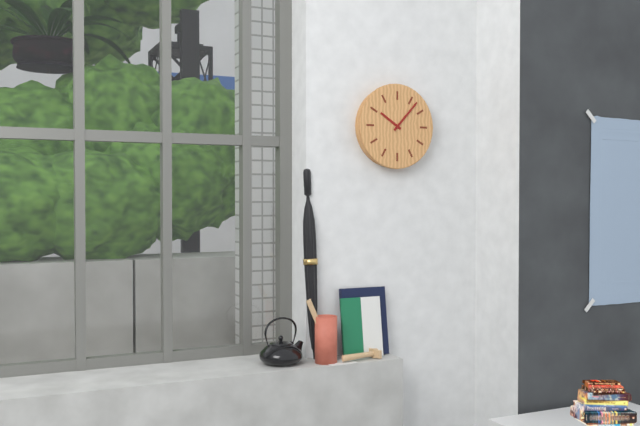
**10:07**
